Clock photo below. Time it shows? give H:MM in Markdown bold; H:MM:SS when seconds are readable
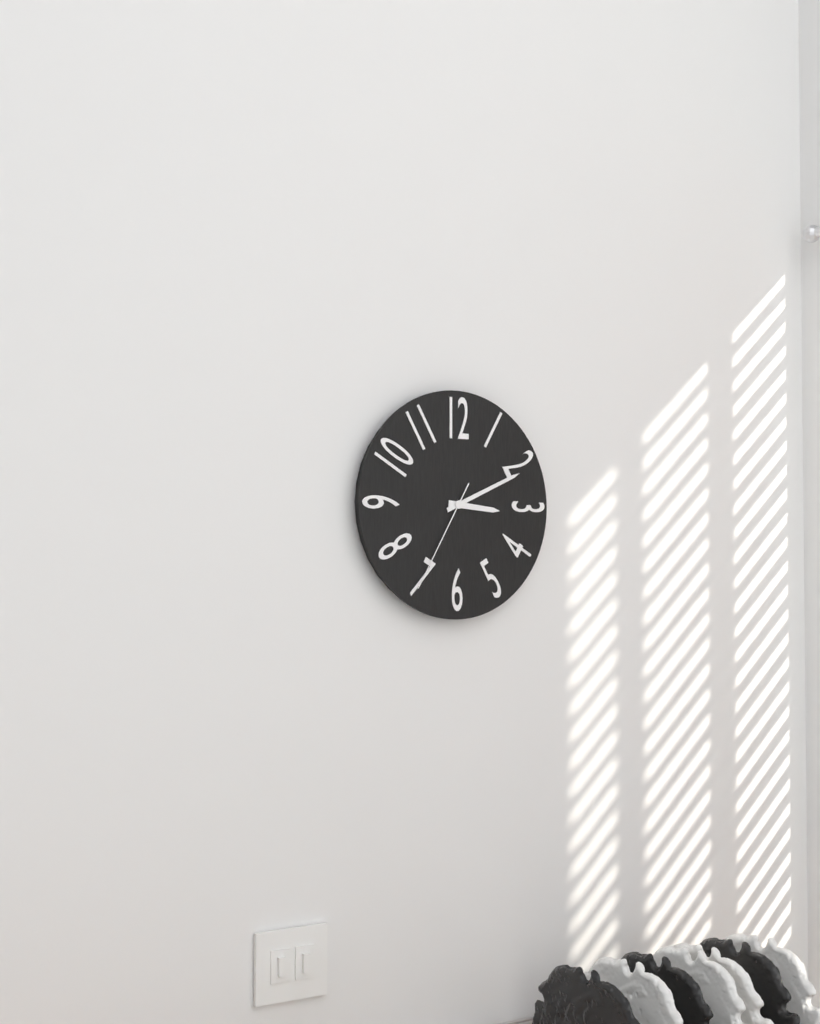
**3:11:35**
